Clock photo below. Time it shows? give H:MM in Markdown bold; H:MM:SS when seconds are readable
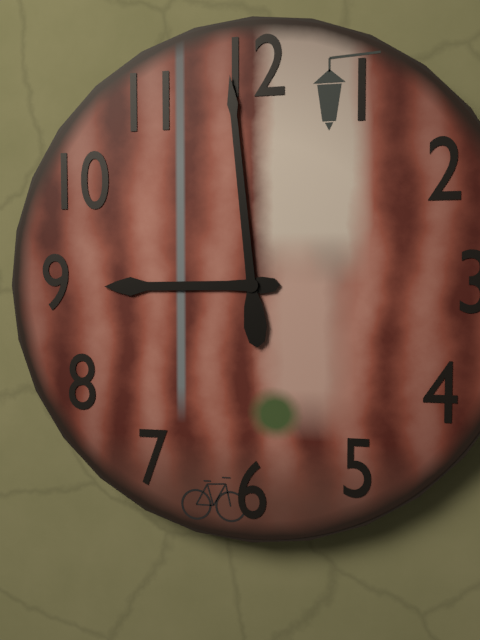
**8:59**
